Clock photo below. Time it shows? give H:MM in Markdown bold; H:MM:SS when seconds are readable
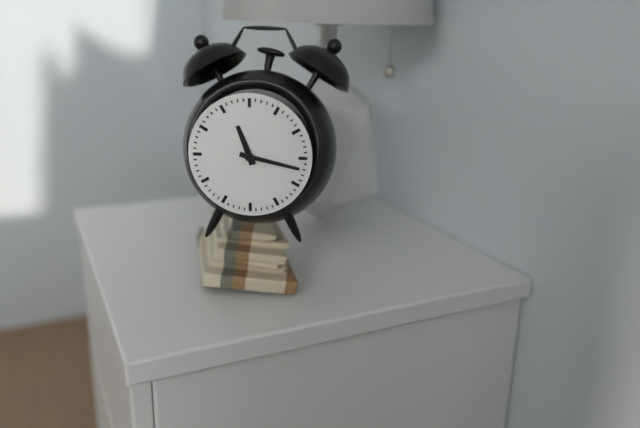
**11:17**
